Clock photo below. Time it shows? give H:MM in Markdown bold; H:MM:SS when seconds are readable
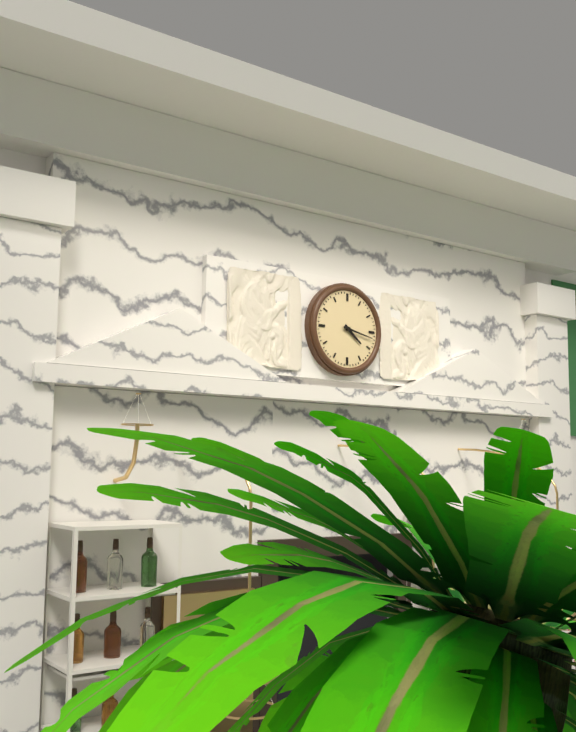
**4:17**
